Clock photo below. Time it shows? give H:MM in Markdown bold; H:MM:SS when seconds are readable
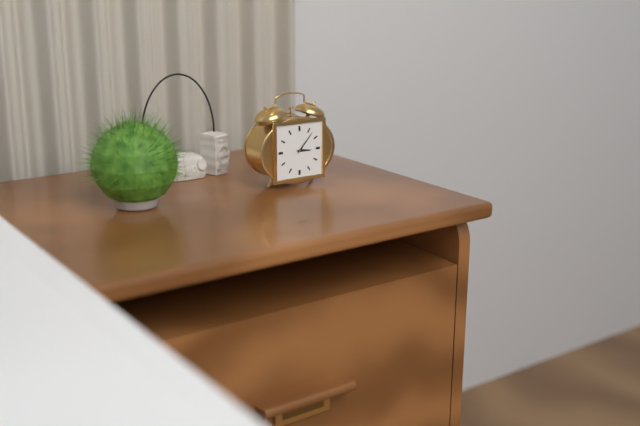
**3:07**
